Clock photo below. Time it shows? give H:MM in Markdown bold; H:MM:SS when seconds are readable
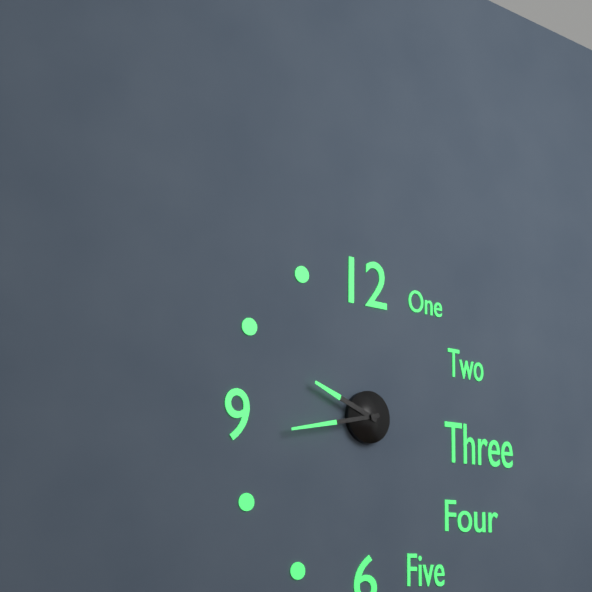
**9:43**
